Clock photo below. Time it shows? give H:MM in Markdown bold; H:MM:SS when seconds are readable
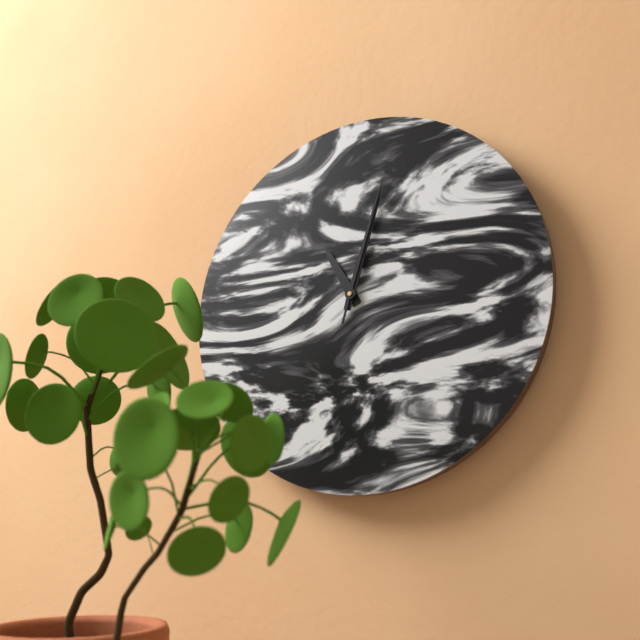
**11:03:03**
